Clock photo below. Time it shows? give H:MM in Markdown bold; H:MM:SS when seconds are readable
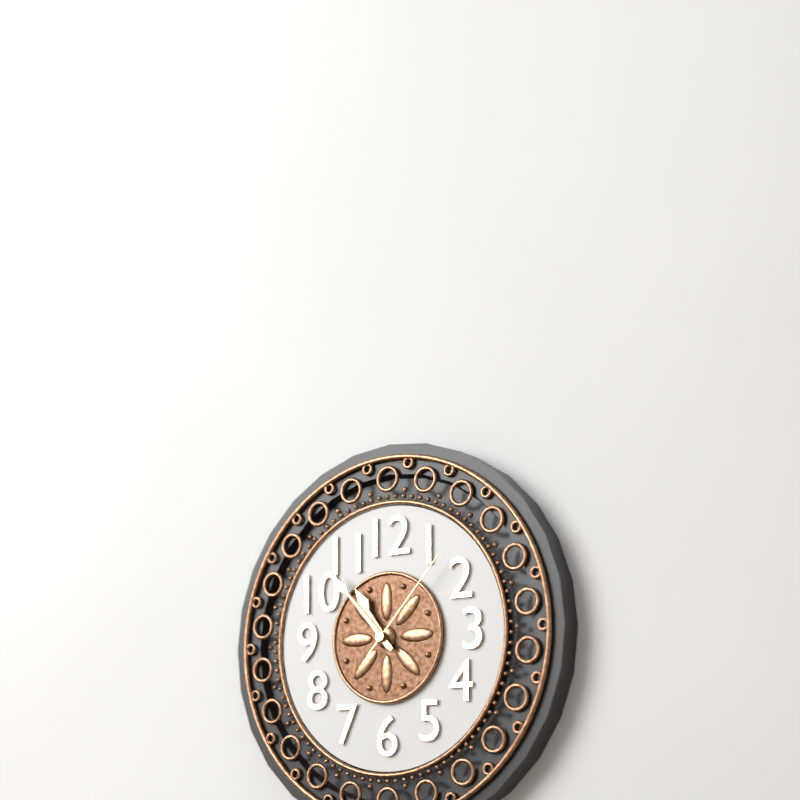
**10:53:07**
